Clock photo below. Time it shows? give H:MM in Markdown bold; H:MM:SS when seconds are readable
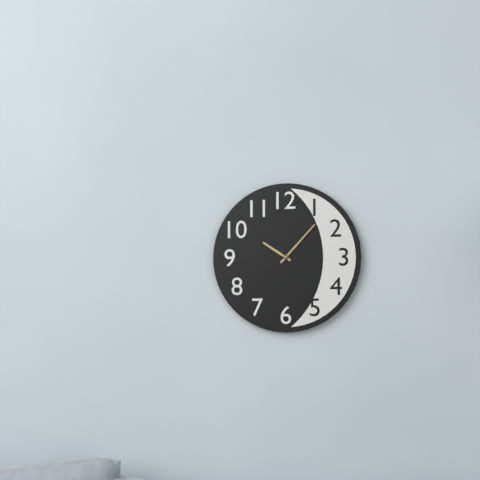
**10:07**
